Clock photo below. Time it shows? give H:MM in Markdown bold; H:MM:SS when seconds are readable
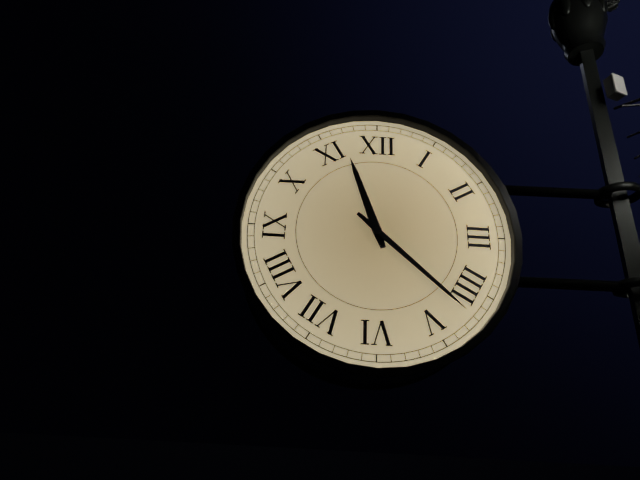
**11:22**
